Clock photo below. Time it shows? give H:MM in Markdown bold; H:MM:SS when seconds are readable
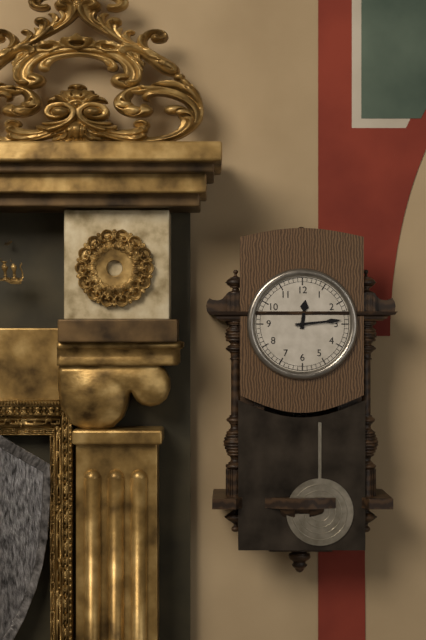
**12:14**
